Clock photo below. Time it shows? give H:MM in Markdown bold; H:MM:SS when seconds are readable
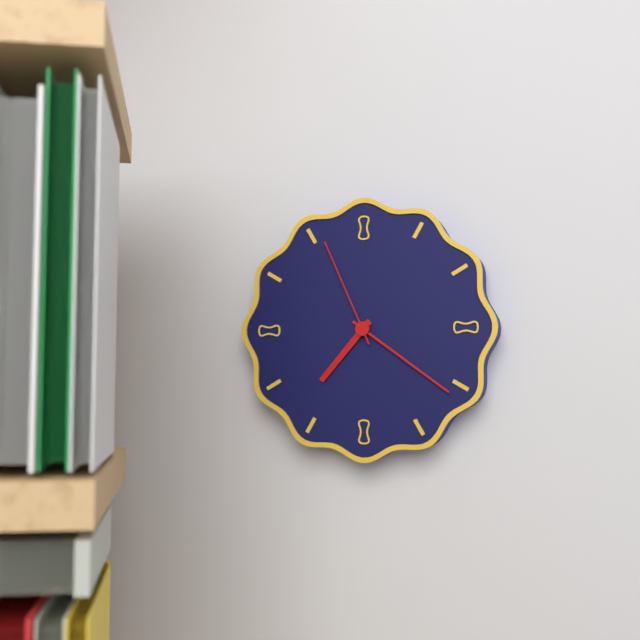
**7:21:56**
